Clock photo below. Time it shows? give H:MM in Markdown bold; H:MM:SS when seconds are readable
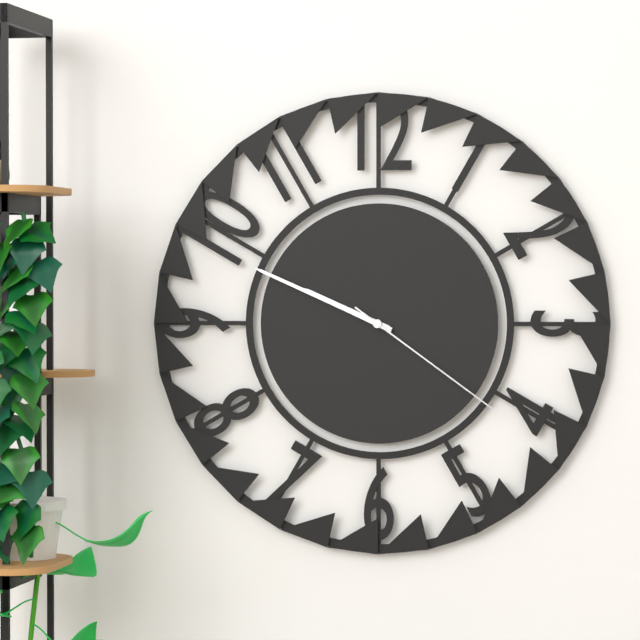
**9:49:21**
